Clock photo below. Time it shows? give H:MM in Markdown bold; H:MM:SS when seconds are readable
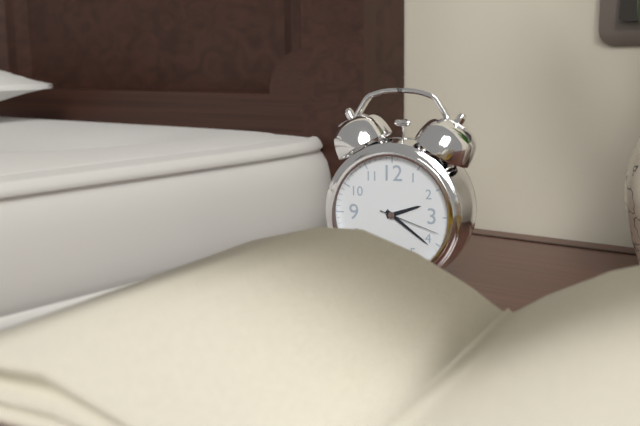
**2:21:18**
